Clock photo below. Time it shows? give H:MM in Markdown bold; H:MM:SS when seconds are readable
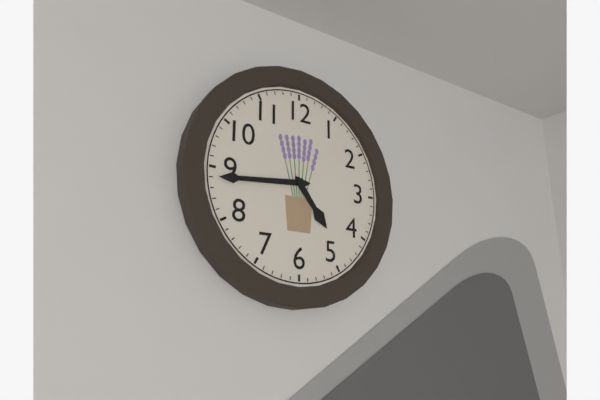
**4:44**
